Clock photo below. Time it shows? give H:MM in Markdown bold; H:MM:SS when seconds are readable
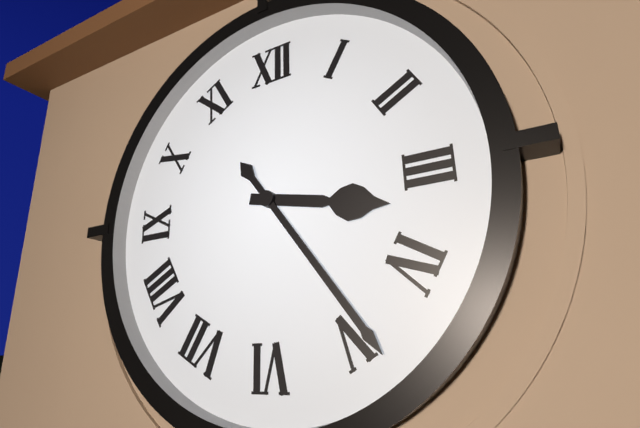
**3:24**
